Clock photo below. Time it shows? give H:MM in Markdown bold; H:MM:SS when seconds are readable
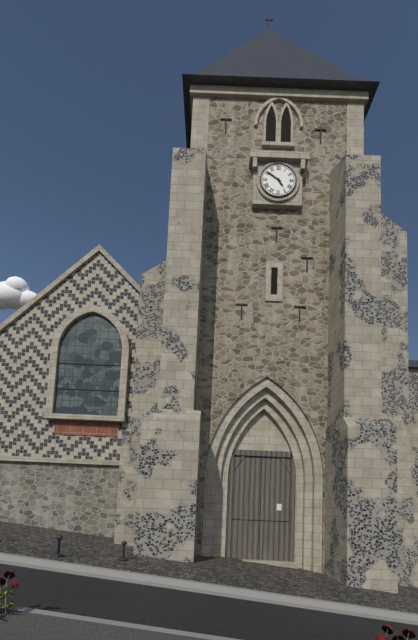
**4:51**
